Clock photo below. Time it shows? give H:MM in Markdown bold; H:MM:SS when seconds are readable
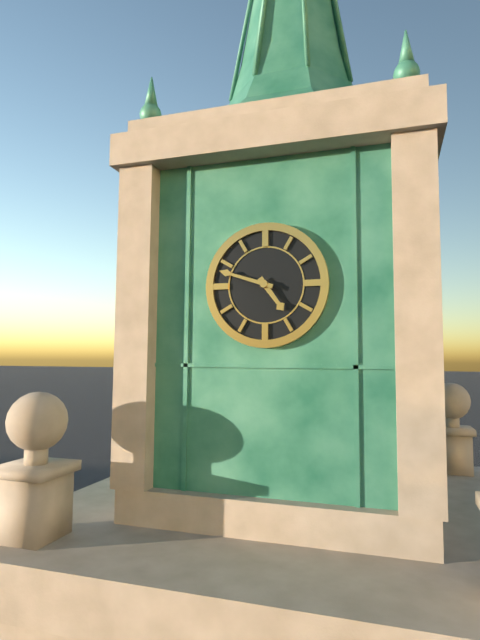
**4:48**
